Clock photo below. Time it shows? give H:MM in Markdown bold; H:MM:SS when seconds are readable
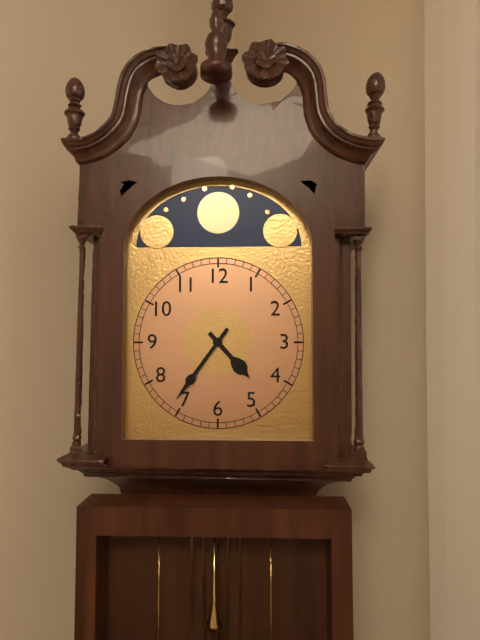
**4:36**
